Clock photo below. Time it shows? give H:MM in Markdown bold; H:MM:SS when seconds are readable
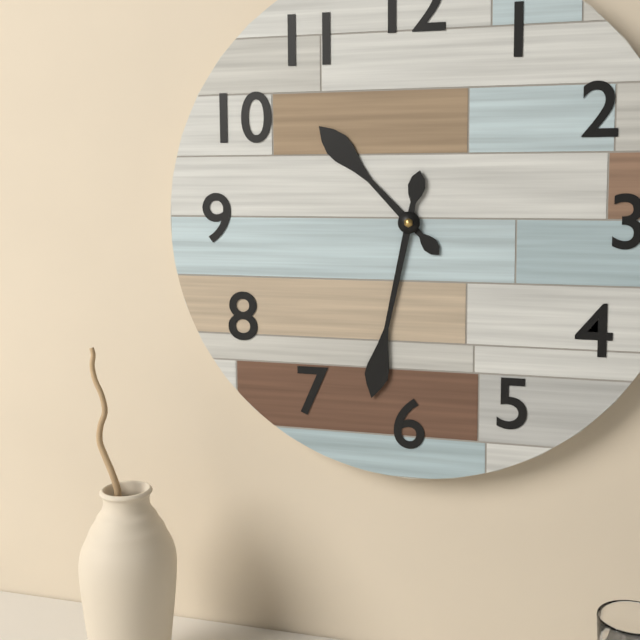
**10:32**
